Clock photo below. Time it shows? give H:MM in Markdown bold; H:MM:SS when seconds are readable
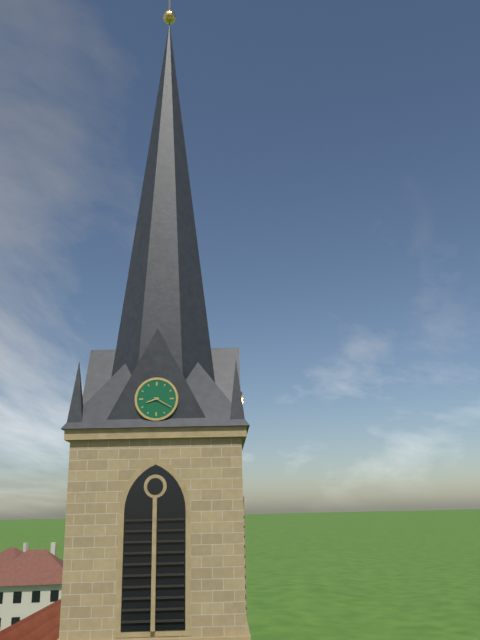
**8:20**
